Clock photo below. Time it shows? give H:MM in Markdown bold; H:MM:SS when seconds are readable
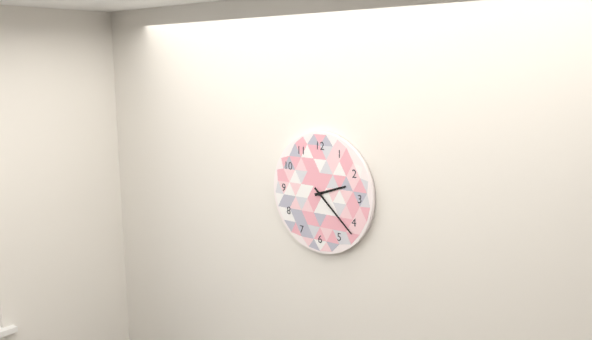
**2:22**
